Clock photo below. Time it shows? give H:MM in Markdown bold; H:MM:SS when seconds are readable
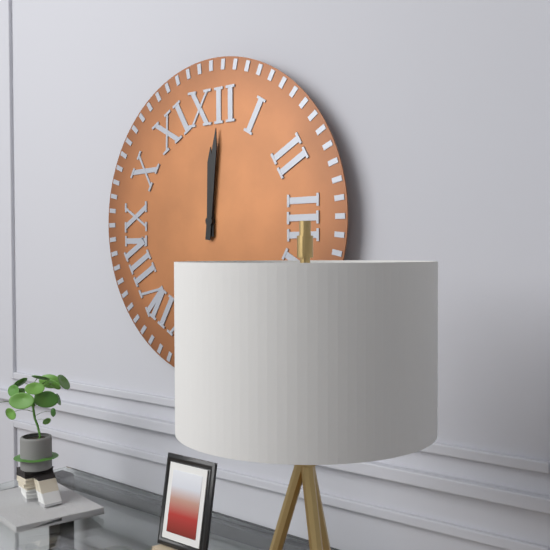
**12:01**
